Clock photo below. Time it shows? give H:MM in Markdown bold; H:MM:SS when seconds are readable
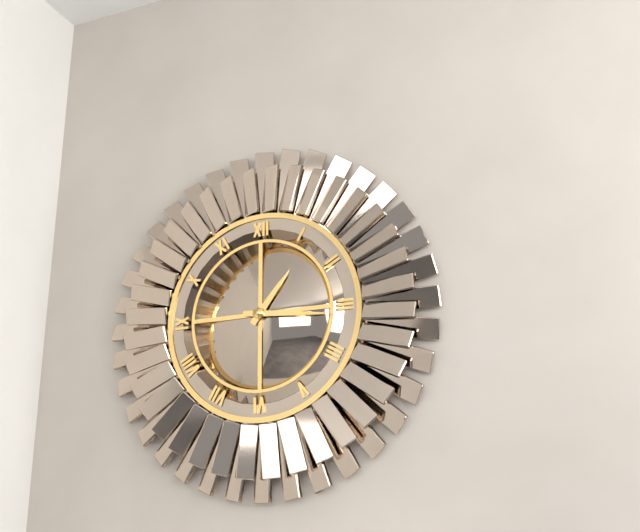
**1:16**
